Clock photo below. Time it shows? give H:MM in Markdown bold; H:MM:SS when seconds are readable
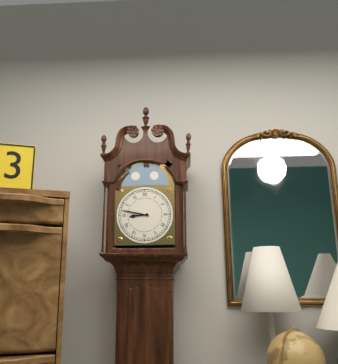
**8:47**
